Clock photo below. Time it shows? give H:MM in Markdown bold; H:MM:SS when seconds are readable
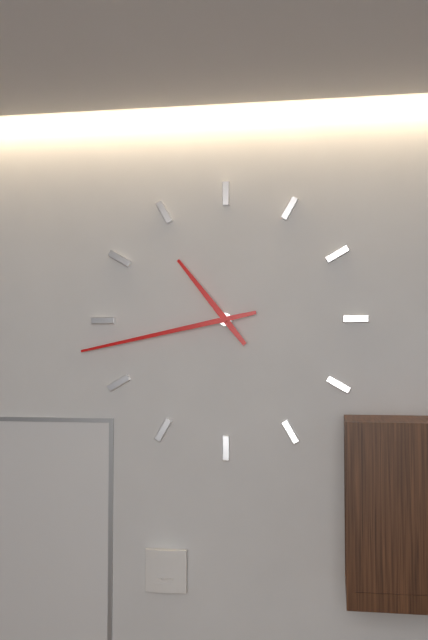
**10:43**
